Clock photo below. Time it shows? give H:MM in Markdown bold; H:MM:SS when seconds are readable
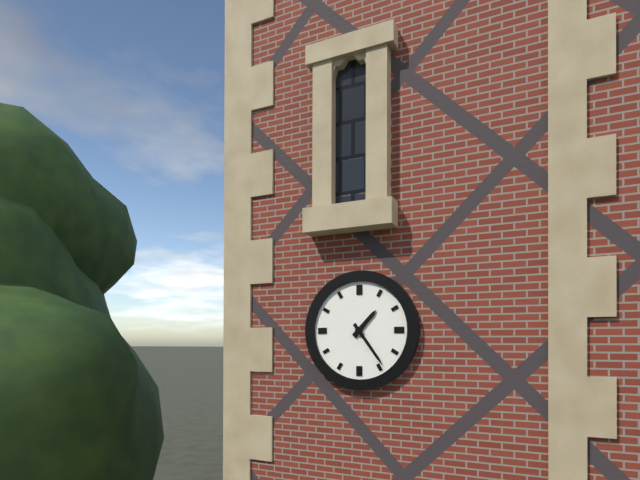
**1:24**
